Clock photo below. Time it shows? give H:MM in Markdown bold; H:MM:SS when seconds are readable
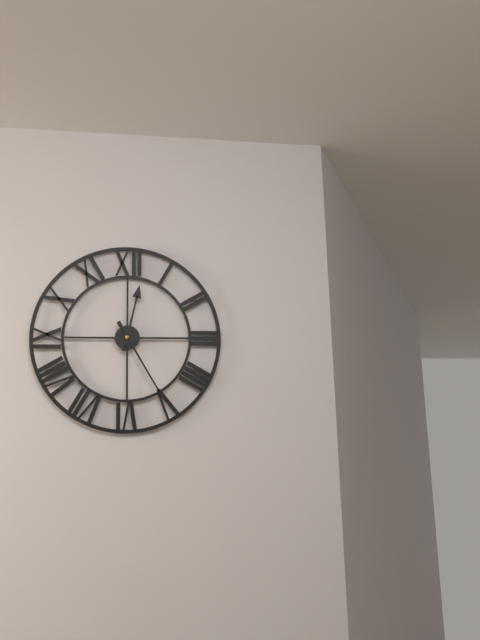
**12:25**
